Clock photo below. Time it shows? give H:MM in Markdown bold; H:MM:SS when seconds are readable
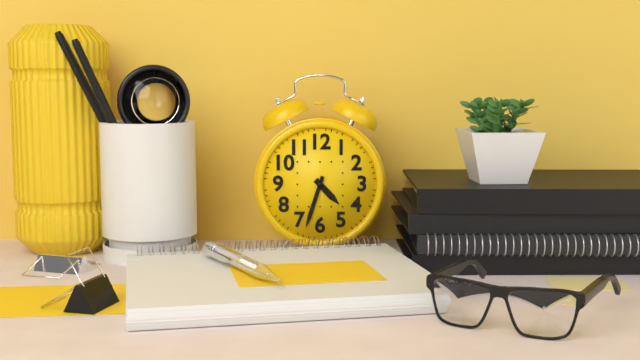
**4:33**
